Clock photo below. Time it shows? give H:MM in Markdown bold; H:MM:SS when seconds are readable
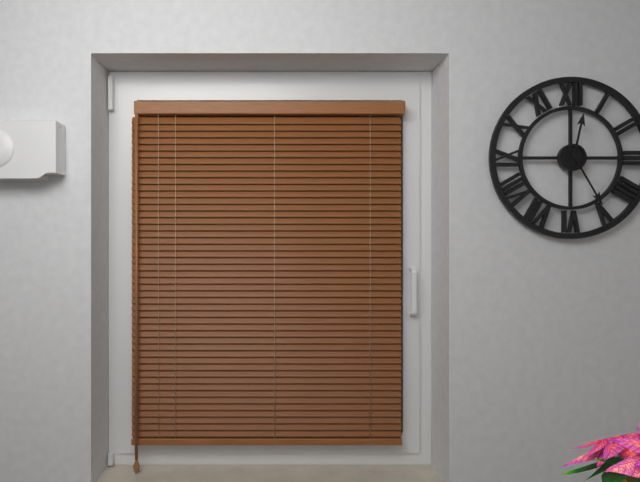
**12:25**
